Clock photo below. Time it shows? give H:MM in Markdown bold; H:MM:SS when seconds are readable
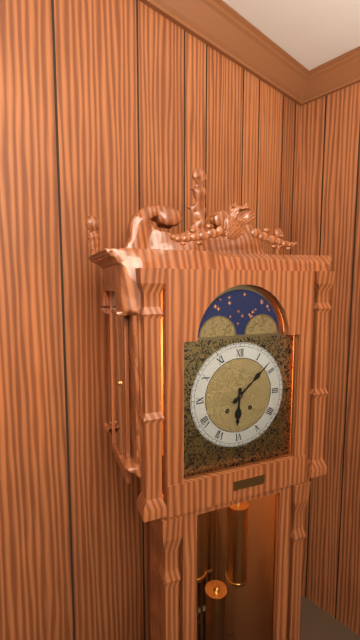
**6:08**
